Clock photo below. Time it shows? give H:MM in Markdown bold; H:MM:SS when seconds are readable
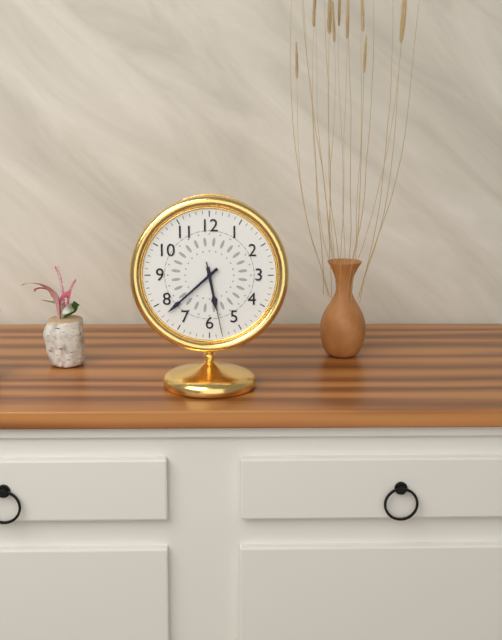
**5:38:28**
